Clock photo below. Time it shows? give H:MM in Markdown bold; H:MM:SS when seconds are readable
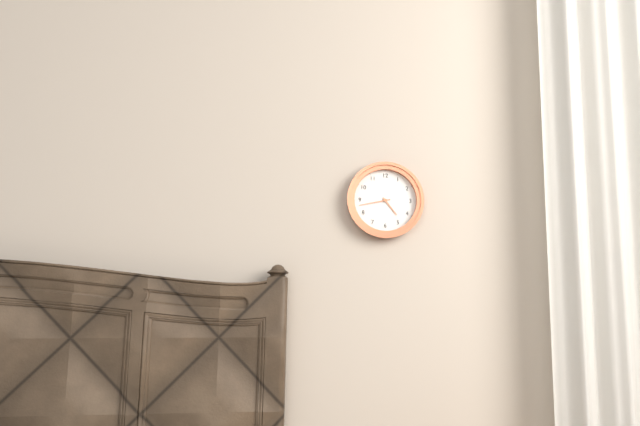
**4:43**
